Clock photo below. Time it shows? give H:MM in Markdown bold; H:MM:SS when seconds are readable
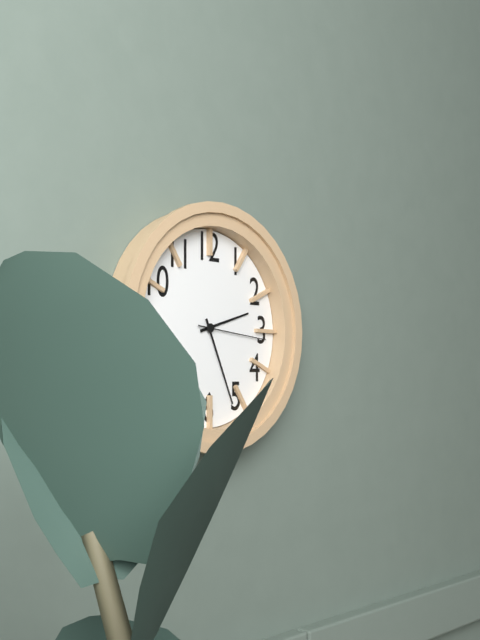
**2:26:16**
